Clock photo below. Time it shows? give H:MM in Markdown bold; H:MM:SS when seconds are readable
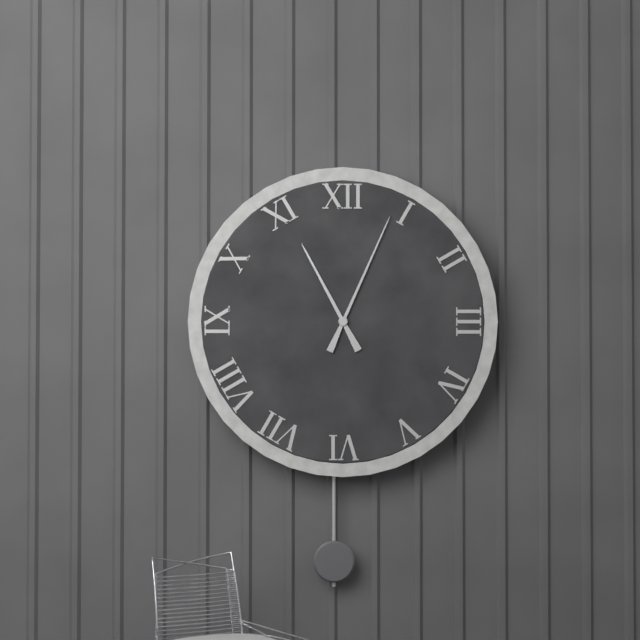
**11:04**
